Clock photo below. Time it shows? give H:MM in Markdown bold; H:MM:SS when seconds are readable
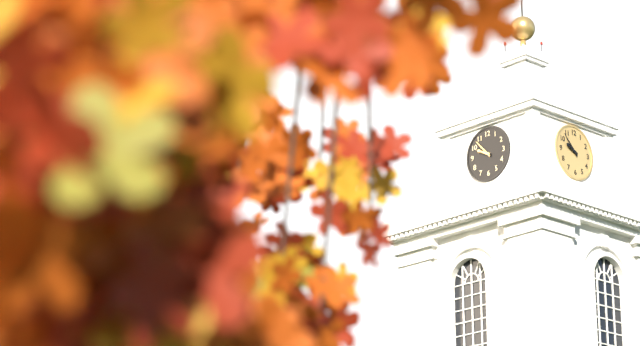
**9:53**
